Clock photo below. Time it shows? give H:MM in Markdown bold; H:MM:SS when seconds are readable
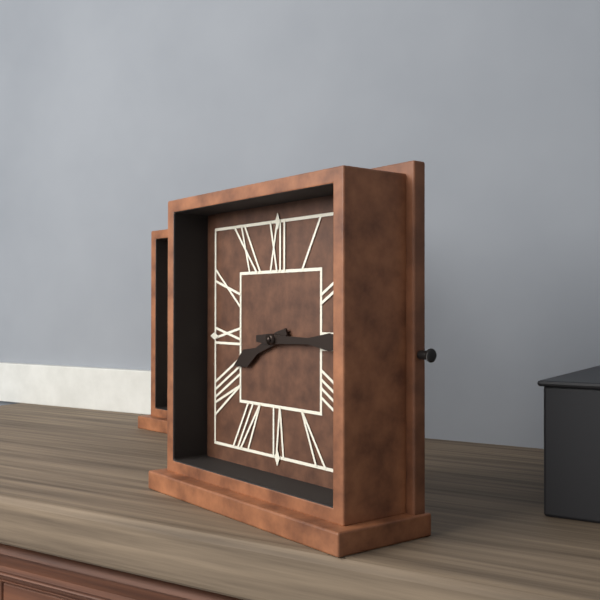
**8:15**
